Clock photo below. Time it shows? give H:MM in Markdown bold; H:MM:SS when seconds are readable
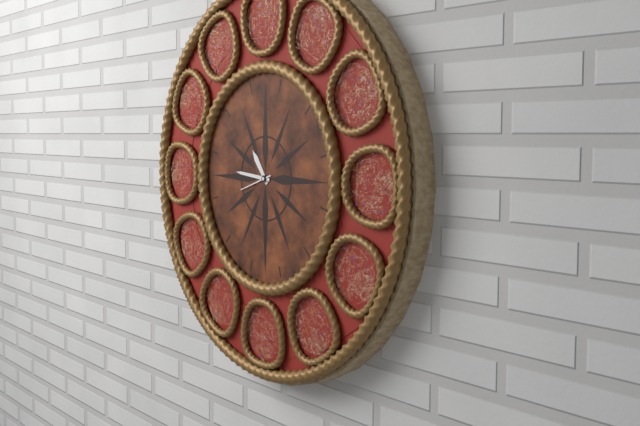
**10:46**
